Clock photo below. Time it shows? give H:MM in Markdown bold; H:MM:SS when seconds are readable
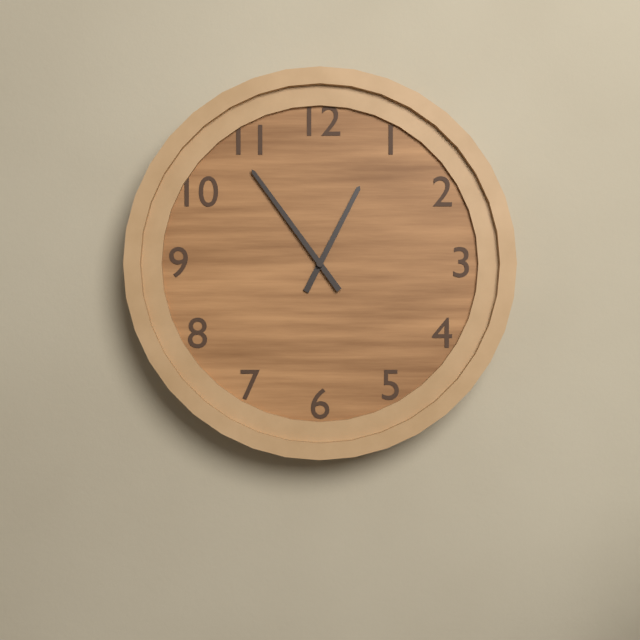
**12:54**
